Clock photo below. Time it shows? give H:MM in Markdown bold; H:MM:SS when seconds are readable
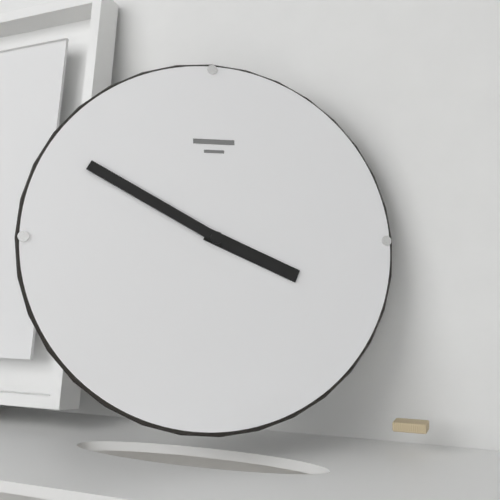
**3:50**
